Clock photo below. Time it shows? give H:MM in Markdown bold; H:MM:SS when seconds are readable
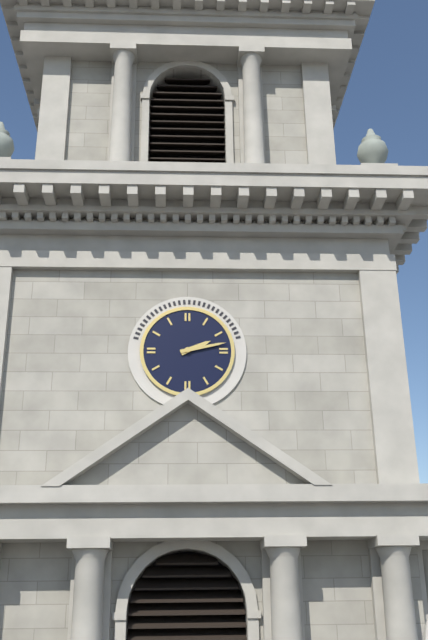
**2:13**
